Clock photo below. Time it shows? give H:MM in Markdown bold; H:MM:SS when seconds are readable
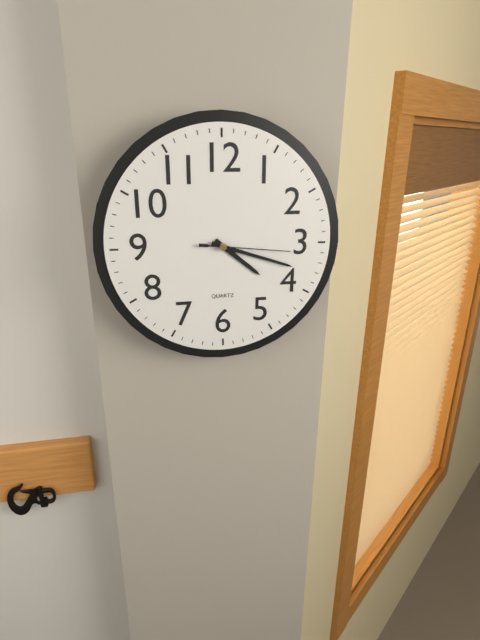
**4:18:16**
